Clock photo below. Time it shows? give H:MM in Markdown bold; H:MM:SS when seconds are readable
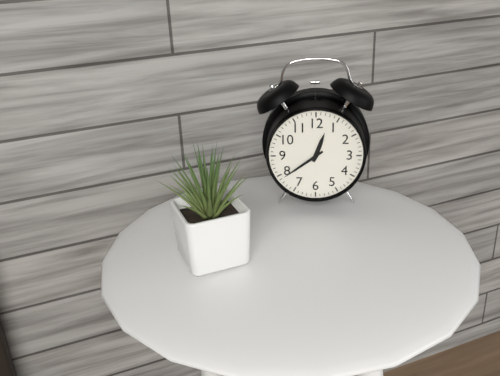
**12:39**
